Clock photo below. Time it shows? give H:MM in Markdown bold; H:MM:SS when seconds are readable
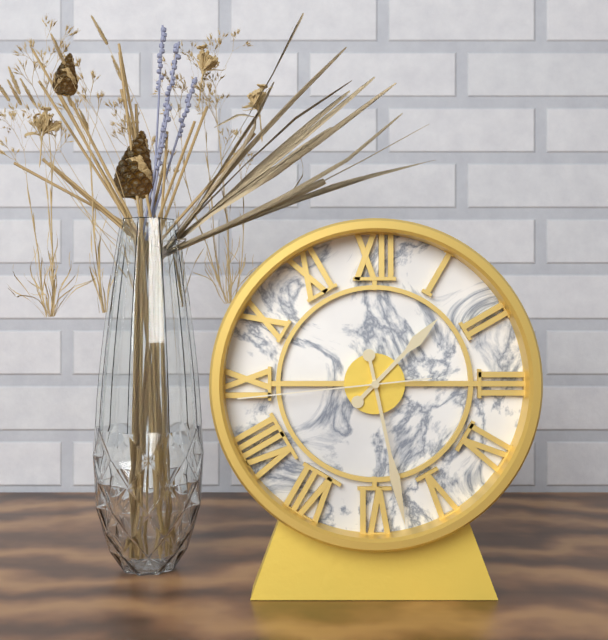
**1:28:44**
